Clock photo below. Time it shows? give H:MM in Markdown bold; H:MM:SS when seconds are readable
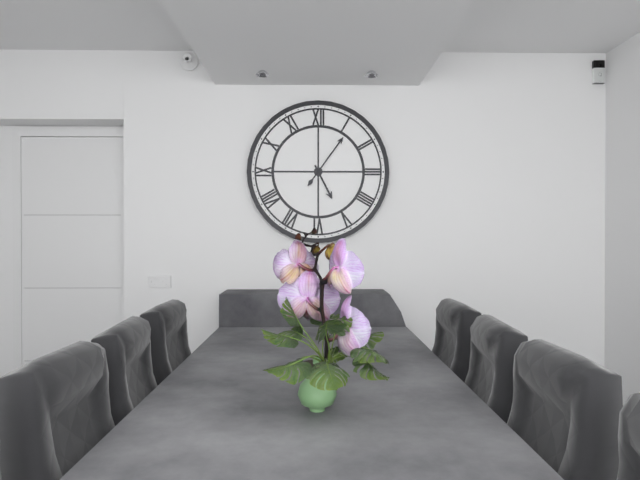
**5:06**
